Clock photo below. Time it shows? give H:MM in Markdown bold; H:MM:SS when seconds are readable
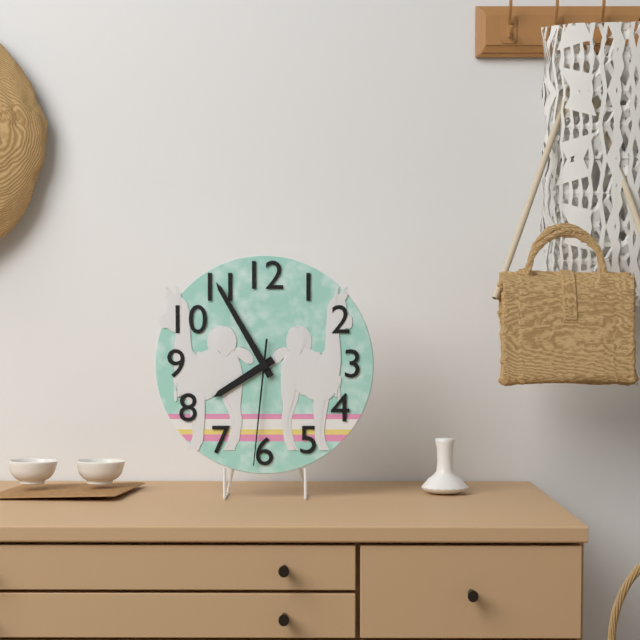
**7:55:31**
